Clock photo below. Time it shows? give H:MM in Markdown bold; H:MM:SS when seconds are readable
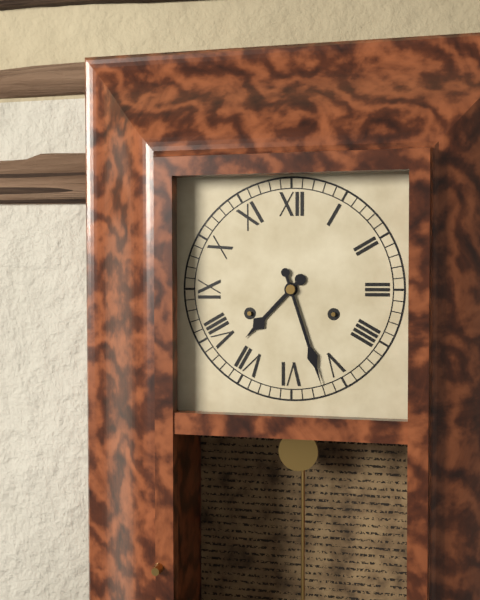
**7:27**
